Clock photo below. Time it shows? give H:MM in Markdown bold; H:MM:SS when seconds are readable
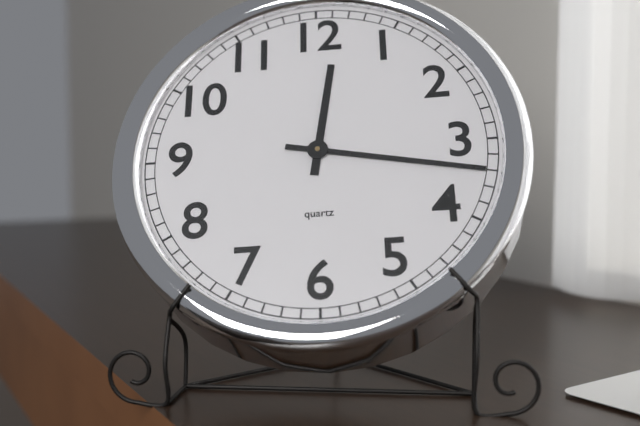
**12:17**
